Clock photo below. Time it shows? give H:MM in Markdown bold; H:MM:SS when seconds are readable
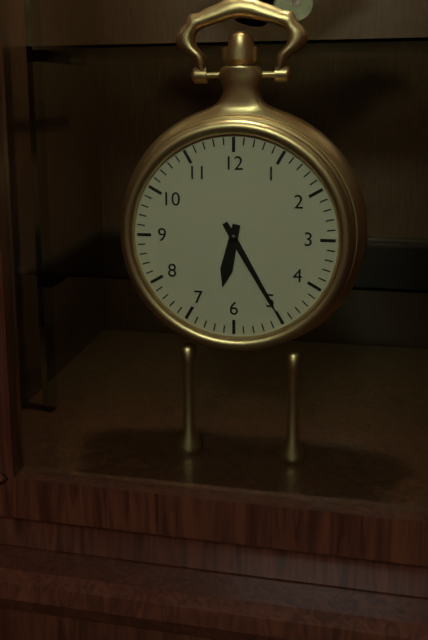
**6:25**
